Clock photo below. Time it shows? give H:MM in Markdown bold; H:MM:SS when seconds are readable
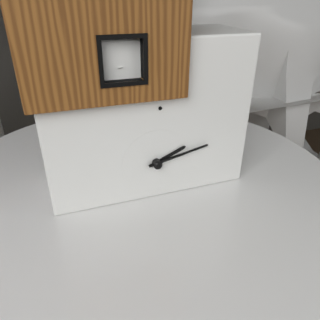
**2:13**
